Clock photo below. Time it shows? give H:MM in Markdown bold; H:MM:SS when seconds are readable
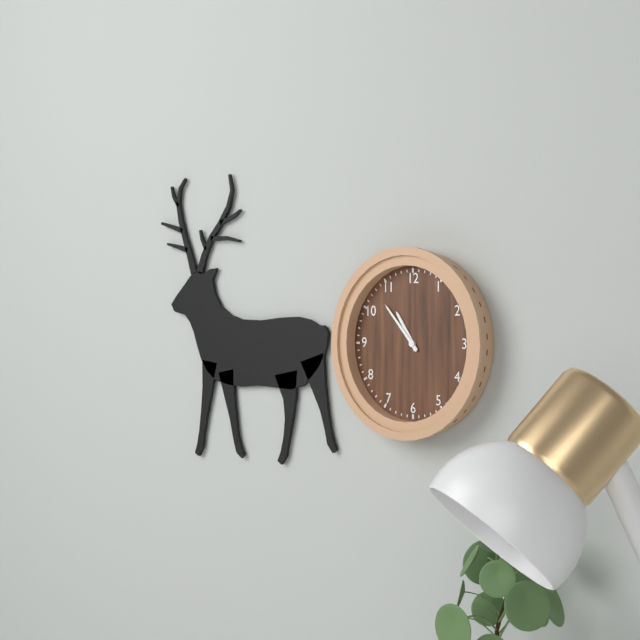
**10:53**
